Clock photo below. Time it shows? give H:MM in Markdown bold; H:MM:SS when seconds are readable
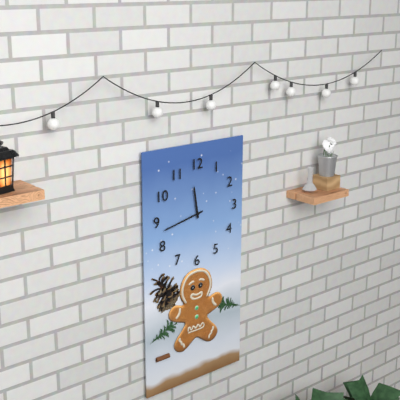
**11:43**
